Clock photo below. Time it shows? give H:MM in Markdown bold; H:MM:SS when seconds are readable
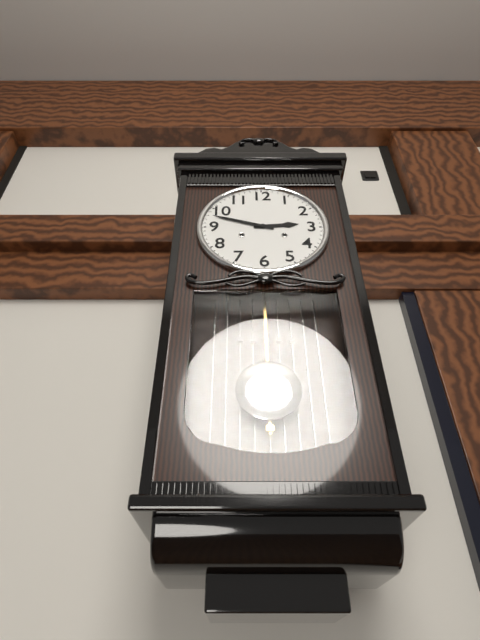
**2:48**
